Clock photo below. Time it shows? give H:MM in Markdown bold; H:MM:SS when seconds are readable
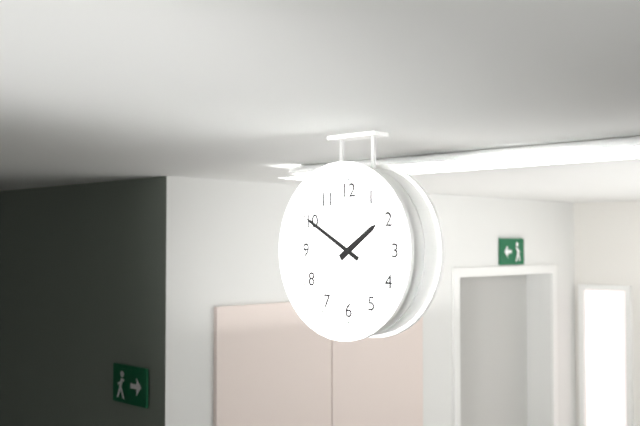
**1:50**
